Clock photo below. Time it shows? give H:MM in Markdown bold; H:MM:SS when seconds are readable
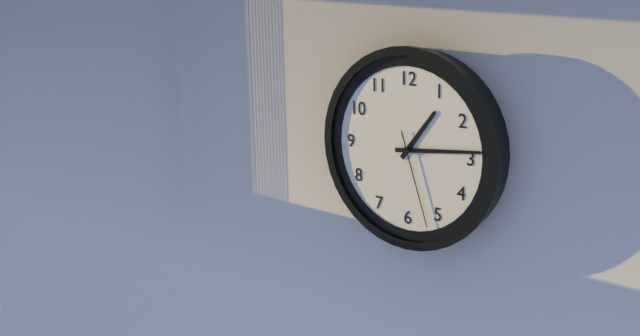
**1:14:27**
